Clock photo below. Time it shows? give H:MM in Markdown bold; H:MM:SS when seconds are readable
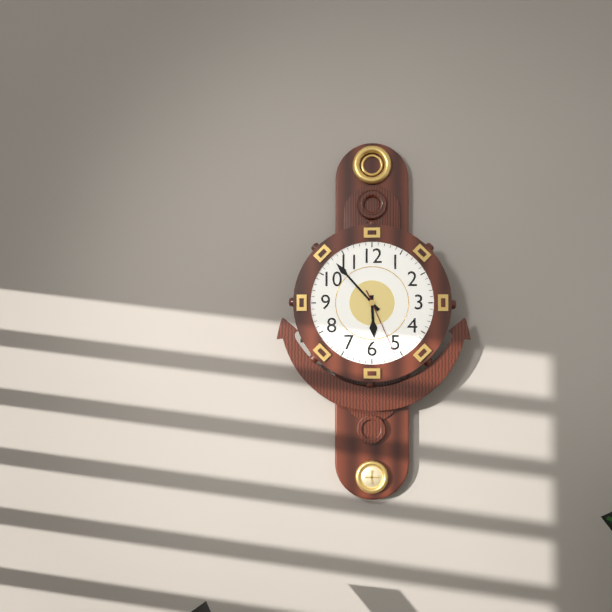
**5:53:26**
